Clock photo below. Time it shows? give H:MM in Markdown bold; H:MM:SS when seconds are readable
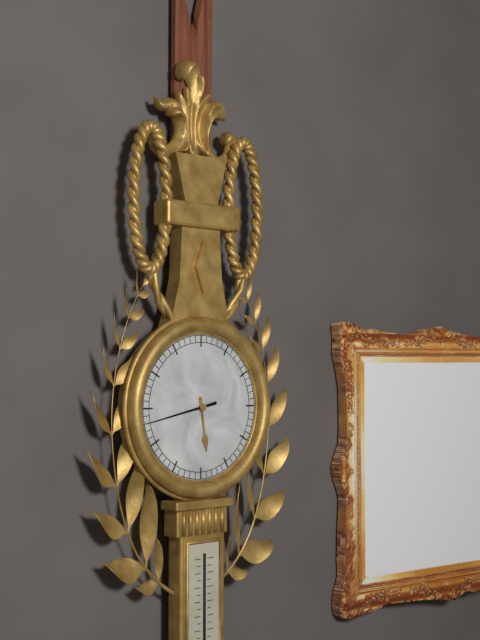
**5:43**
